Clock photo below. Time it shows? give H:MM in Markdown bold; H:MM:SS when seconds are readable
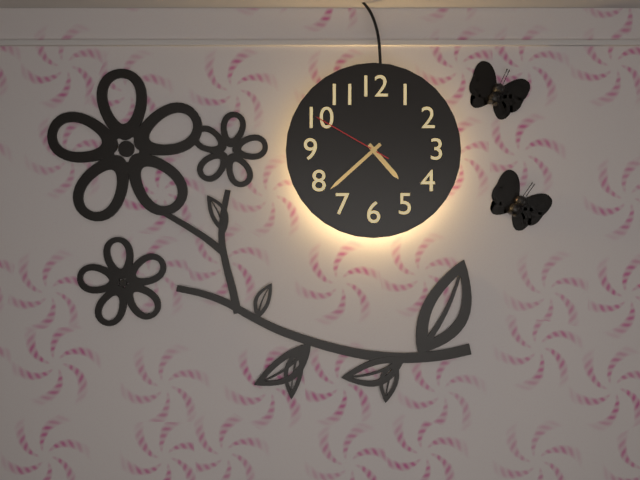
**4:38:50**
